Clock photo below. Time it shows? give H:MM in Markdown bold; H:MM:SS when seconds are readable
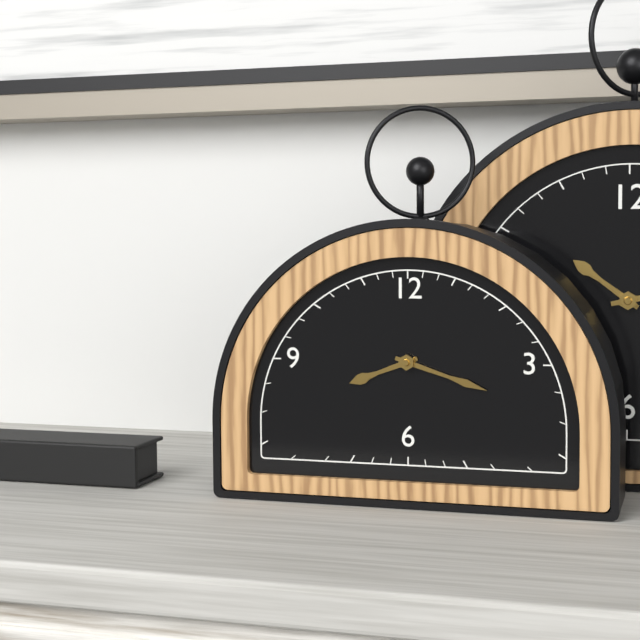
**8:18**
